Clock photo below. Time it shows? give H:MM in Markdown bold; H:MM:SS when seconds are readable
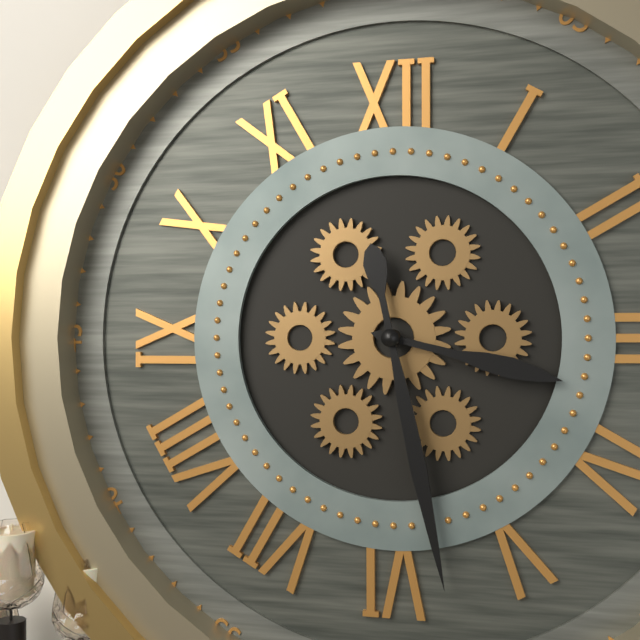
**3:28**
